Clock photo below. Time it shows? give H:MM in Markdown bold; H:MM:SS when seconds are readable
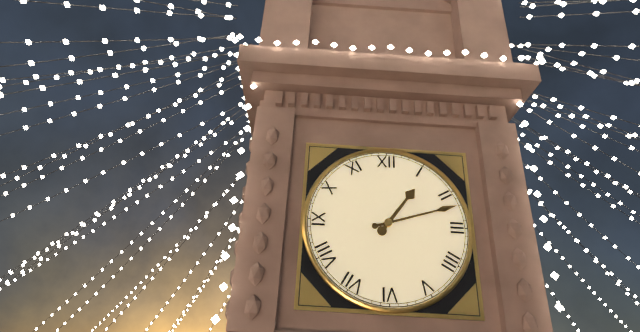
**1:12**
